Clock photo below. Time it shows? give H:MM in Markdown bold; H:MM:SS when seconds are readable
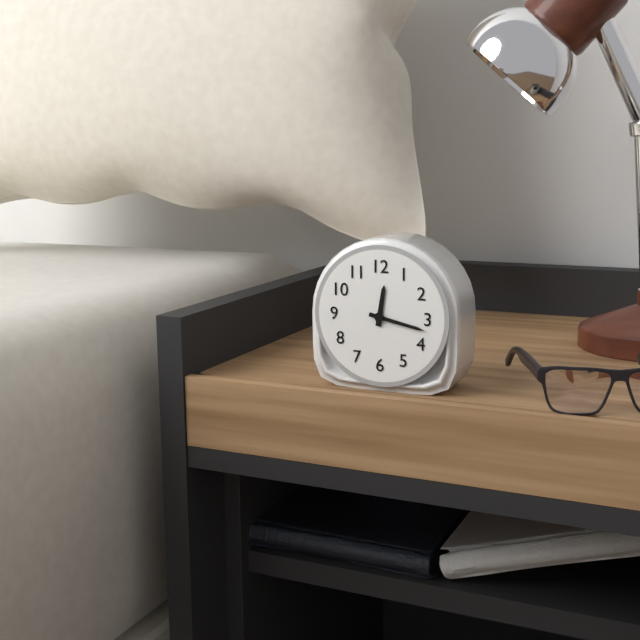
**12:17**
